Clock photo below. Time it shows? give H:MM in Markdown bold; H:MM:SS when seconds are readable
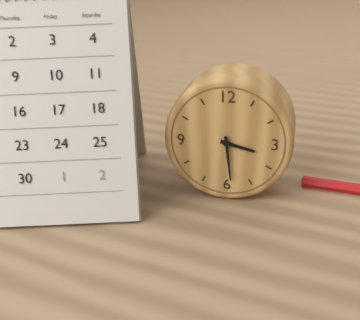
**3:29**
